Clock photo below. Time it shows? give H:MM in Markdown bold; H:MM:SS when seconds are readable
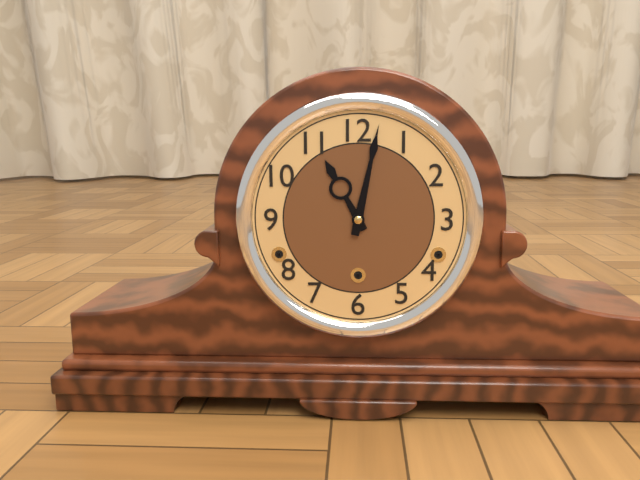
**11:02**
